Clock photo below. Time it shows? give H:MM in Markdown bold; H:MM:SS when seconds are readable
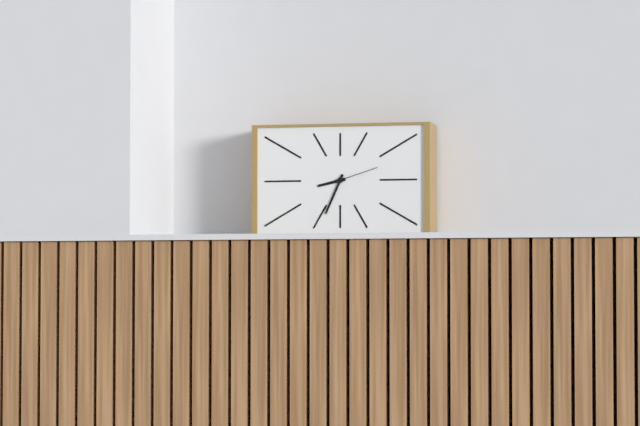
**8:34**
